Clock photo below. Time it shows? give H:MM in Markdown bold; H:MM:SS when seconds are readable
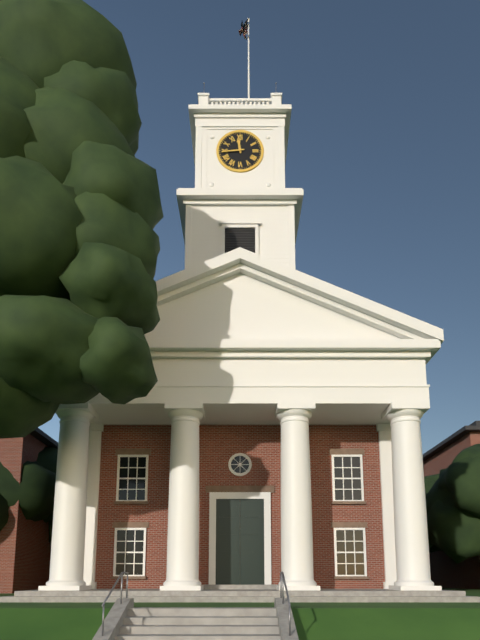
**11:44**
